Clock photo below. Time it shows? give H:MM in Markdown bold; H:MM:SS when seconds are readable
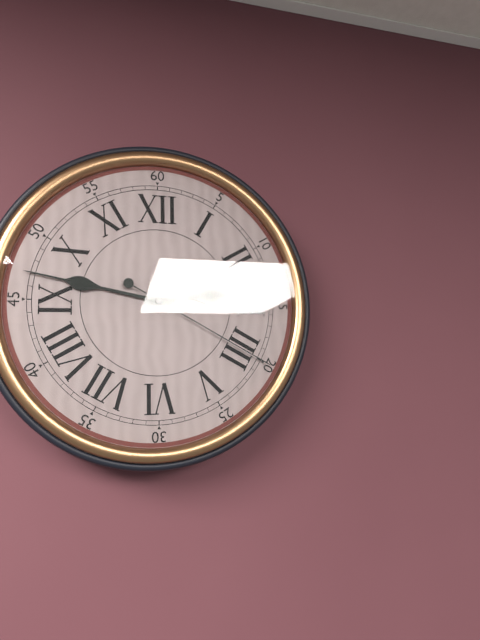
**2:47:20**
